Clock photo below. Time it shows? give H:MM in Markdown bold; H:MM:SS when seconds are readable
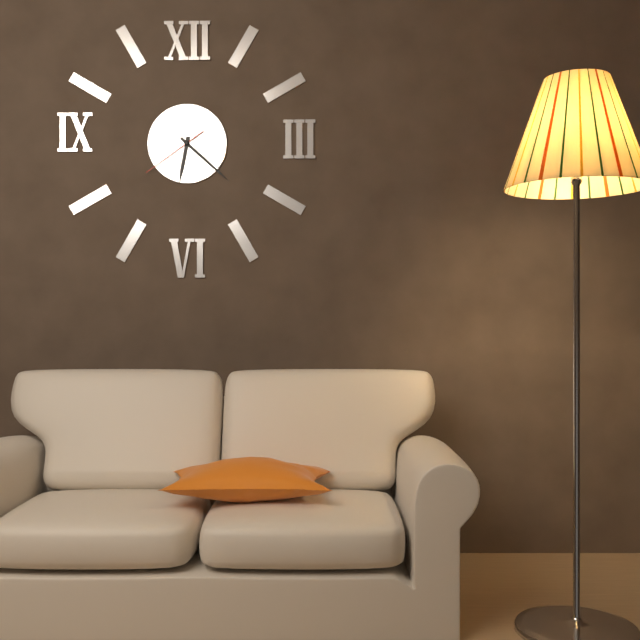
**6:22:39**
